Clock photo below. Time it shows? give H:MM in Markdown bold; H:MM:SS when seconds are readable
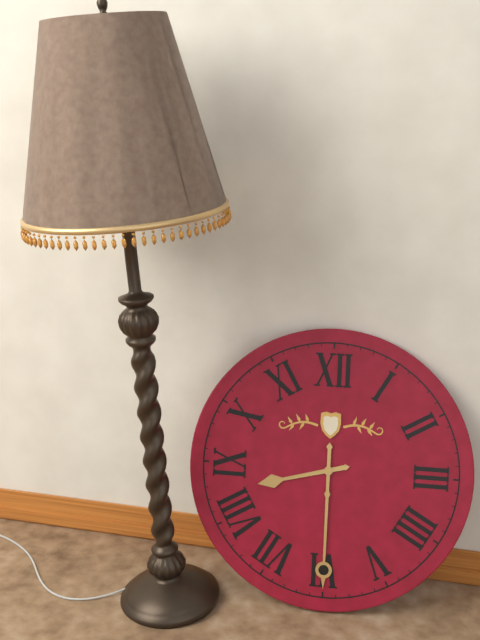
**8:30**
